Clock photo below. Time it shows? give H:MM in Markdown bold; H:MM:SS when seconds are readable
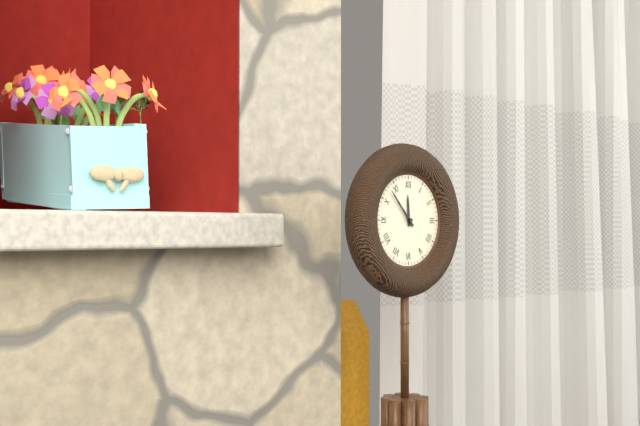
**11:53**
